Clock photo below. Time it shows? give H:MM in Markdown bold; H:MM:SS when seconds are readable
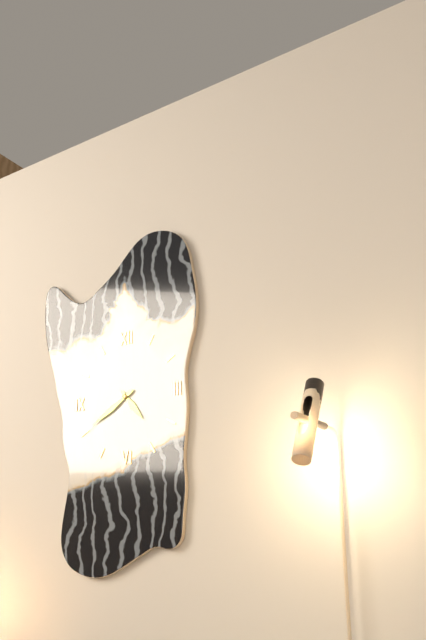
**4:40**
